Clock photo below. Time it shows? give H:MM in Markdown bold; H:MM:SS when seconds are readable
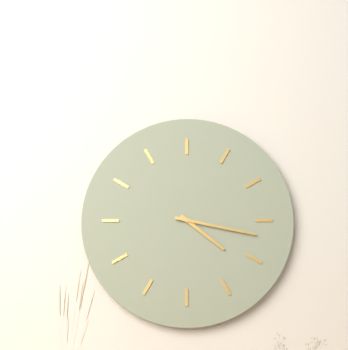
**4:17**
